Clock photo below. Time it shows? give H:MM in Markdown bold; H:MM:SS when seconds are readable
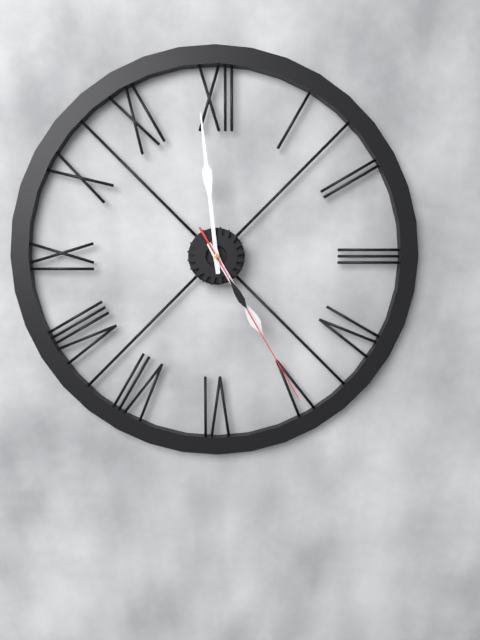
**4:59:25**
